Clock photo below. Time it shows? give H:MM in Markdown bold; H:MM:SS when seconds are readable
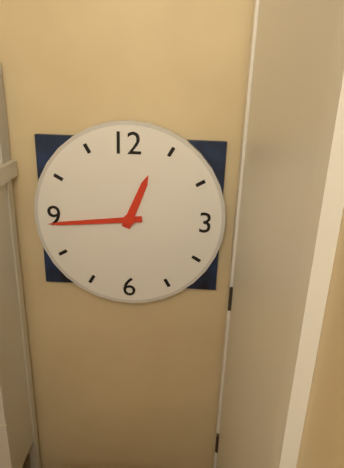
**12:44**
